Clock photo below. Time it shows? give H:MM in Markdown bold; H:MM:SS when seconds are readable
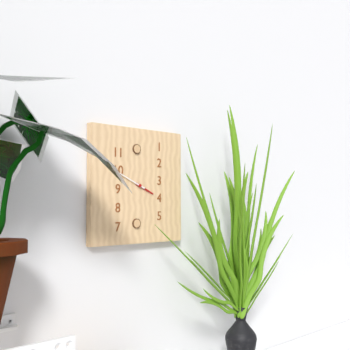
**3:49**
